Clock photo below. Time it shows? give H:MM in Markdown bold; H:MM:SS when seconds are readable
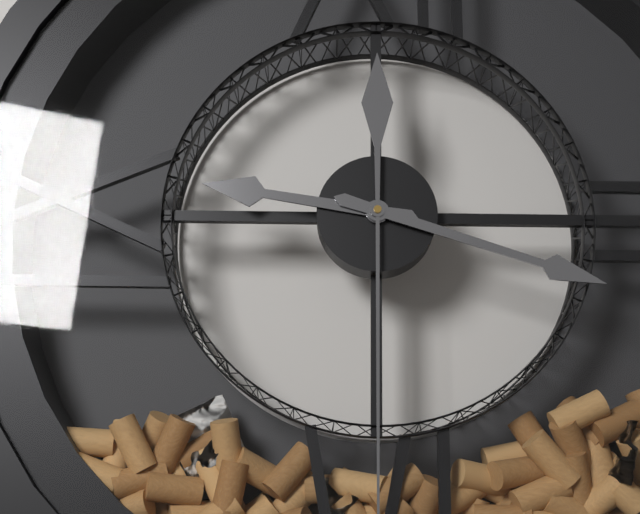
**9:18**
